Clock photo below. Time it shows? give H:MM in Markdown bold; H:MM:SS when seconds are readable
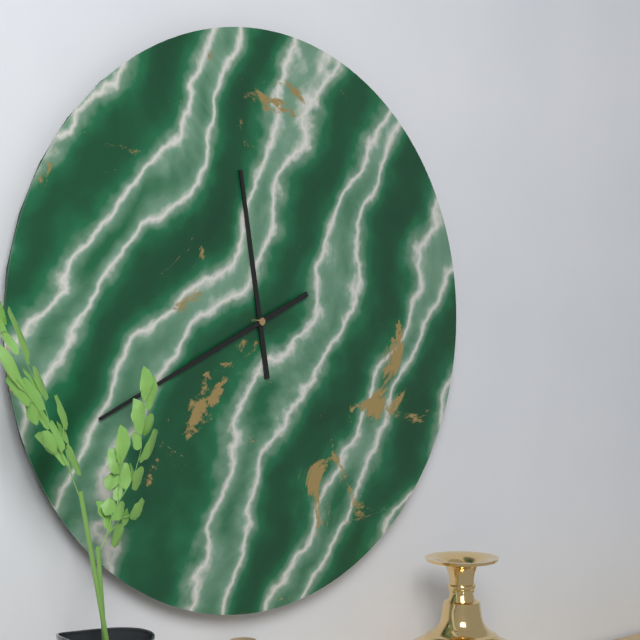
**11:41**
